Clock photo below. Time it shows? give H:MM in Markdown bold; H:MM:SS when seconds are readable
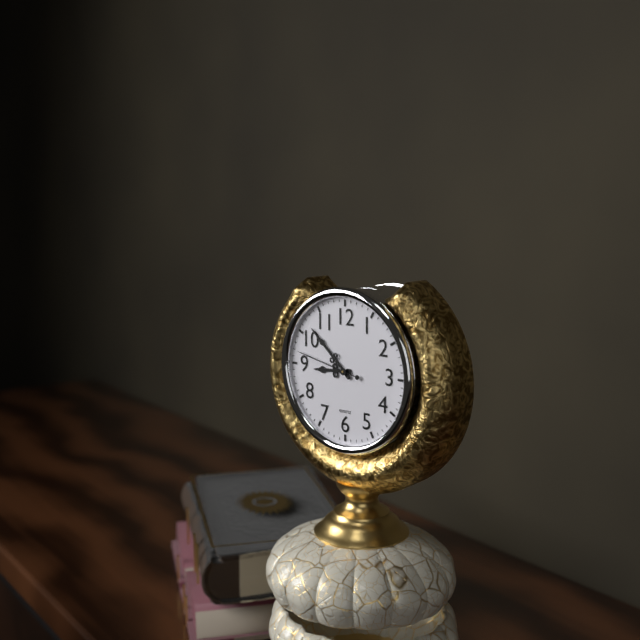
**8:52:47**
